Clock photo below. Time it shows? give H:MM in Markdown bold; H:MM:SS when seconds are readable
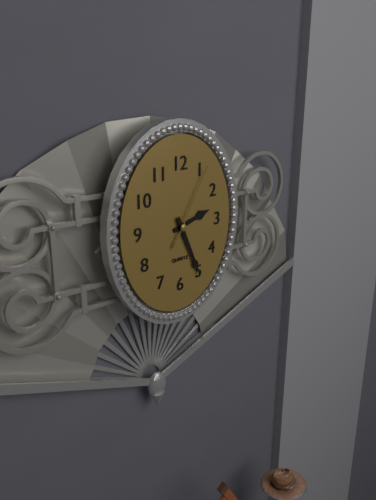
**2:26:05**
